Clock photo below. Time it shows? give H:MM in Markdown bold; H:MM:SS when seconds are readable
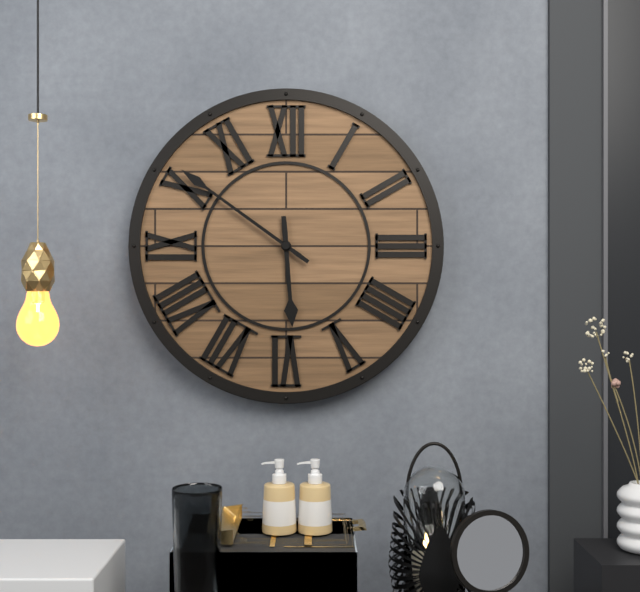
**5:51**
